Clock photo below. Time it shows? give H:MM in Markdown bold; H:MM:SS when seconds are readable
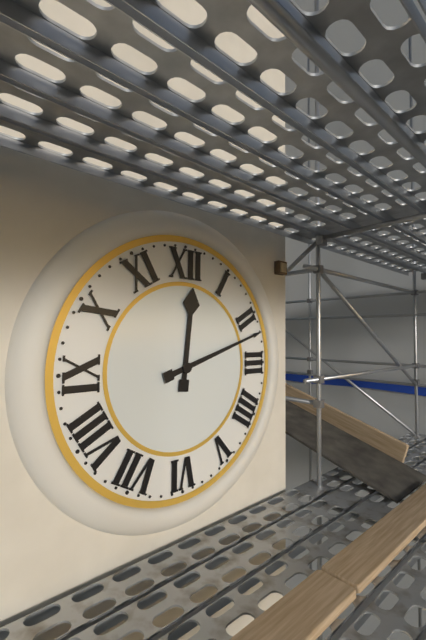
**12:12**
